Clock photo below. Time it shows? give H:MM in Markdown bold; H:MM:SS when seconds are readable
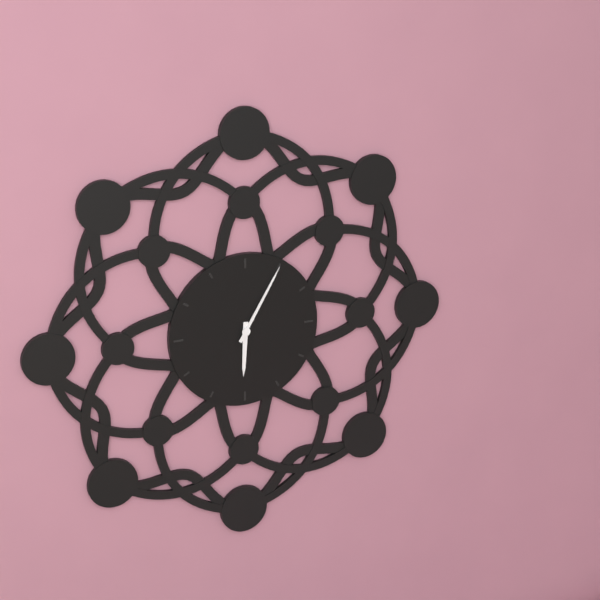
**6:05**
